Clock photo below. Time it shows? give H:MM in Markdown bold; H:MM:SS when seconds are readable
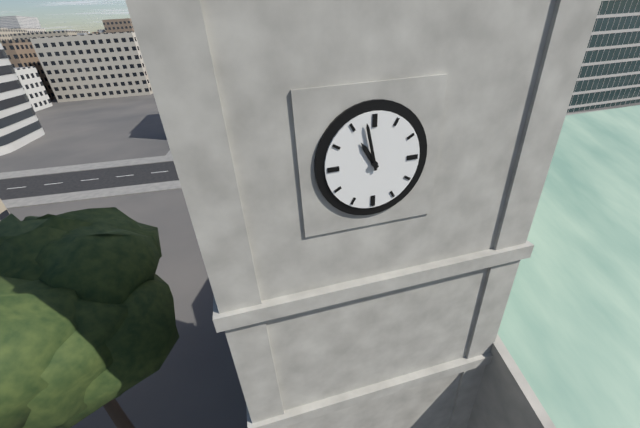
**10:58**
